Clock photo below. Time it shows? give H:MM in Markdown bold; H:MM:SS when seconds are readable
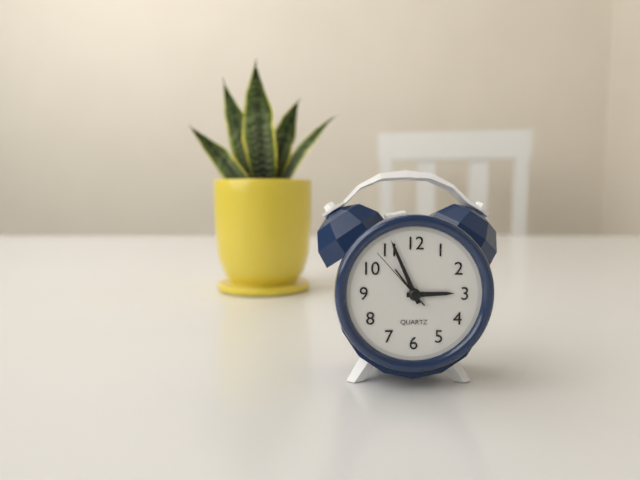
**2:56:53**
